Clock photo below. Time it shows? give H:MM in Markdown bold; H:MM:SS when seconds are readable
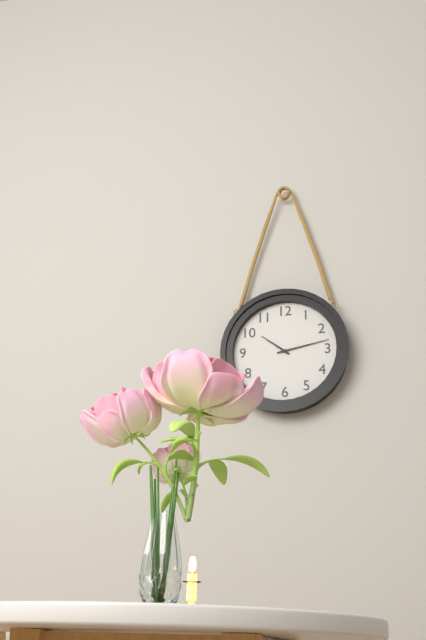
**10:13**
